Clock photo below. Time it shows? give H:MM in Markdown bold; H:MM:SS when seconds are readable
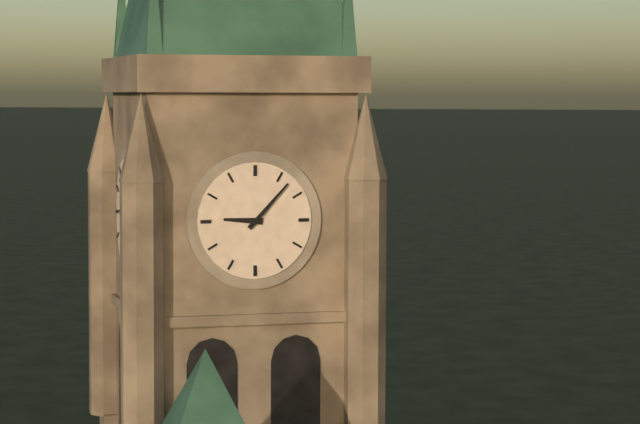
**9:07**
